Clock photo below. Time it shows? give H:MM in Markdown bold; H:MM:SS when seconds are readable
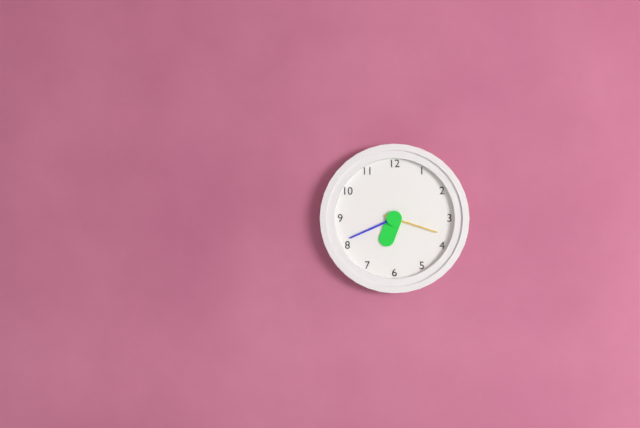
**6:41:18**
